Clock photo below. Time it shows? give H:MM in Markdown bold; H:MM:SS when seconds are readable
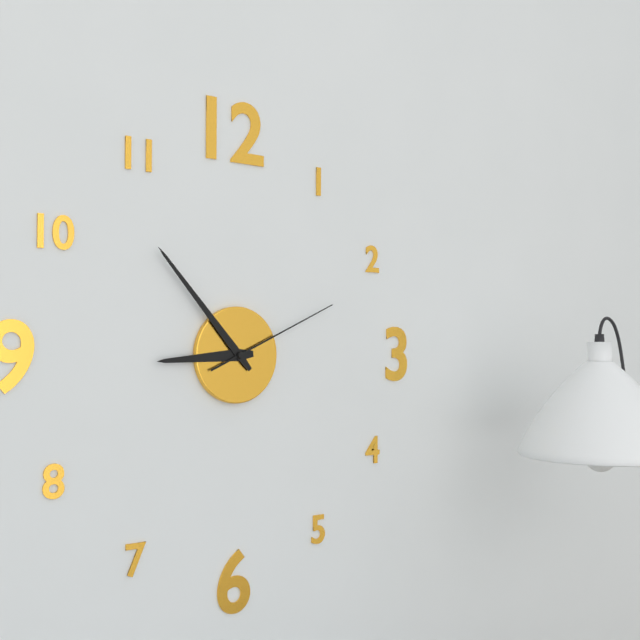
**8:53:11**
